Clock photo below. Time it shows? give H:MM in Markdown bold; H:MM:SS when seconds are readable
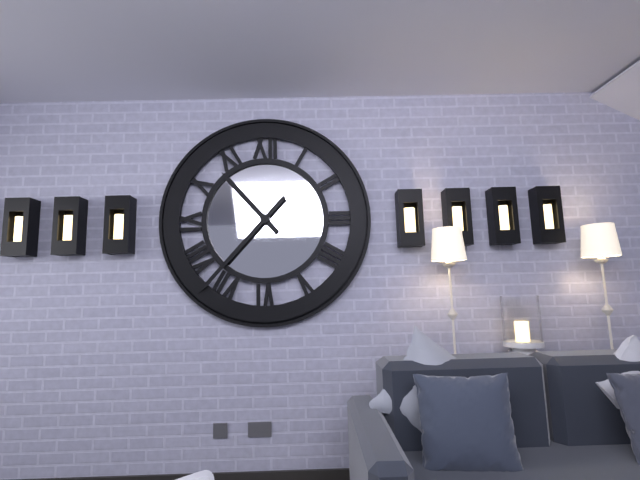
**10:37**
